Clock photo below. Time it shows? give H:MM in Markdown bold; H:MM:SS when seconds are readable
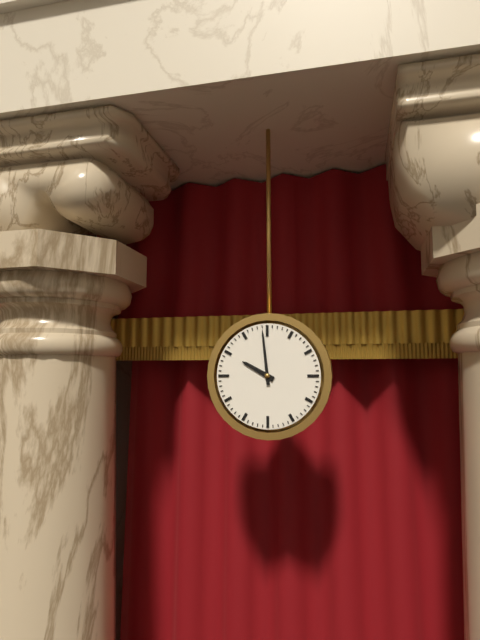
**9:59**
